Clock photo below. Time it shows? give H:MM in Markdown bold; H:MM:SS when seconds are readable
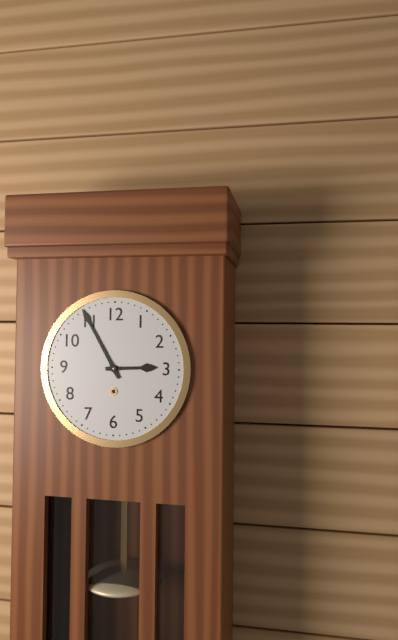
**2:55**
